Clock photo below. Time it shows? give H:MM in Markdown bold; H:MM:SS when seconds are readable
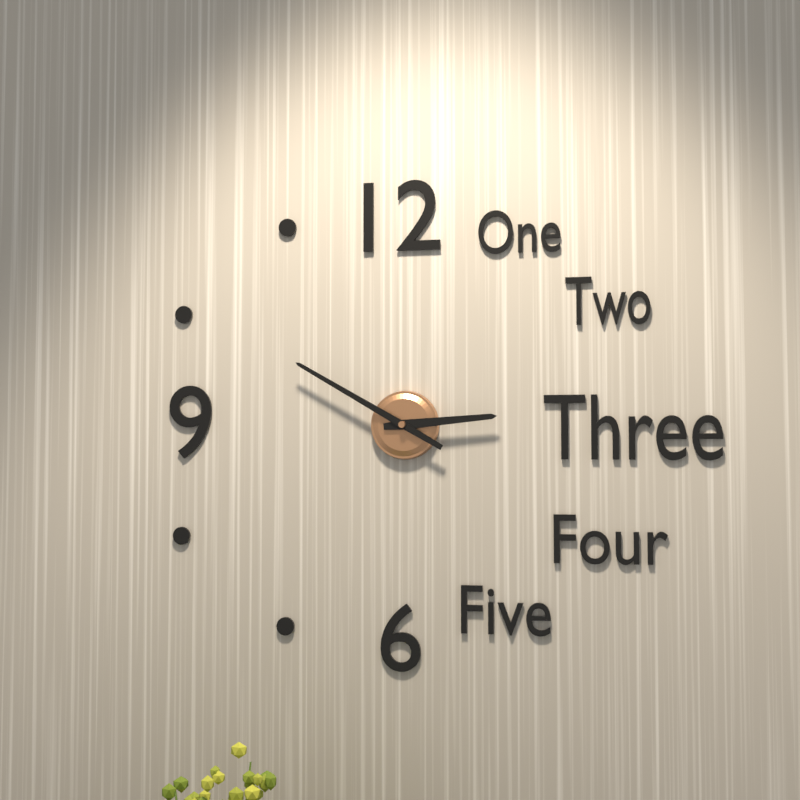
**2:50**
